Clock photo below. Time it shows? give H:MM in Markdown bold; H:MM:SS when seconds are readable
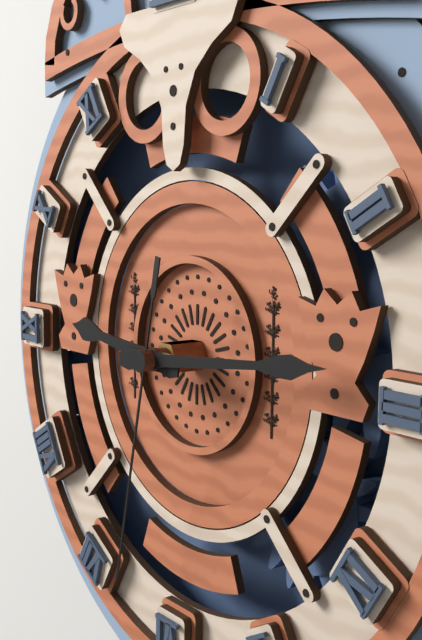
**9:14:32**
